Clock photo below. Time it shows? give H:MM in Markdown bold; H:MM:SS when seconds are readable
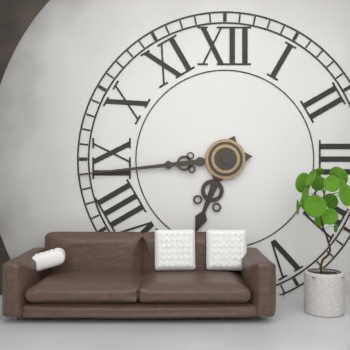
**6:44**
